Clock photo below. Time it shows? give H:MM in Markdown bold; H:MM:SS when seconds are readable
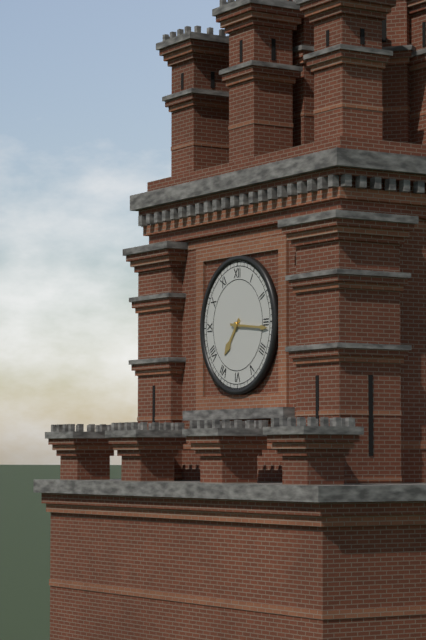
**7:16**
